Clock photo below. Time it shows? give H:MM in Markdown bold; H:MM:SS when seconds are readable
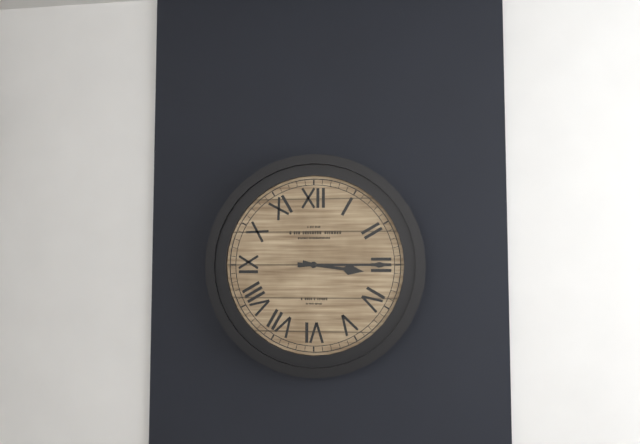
**3:15**
